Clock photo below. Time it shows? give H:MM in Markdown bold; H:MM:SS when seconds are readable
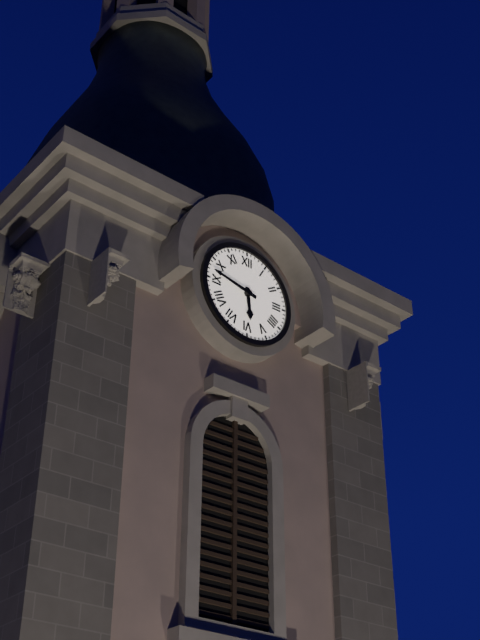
**5:47**
